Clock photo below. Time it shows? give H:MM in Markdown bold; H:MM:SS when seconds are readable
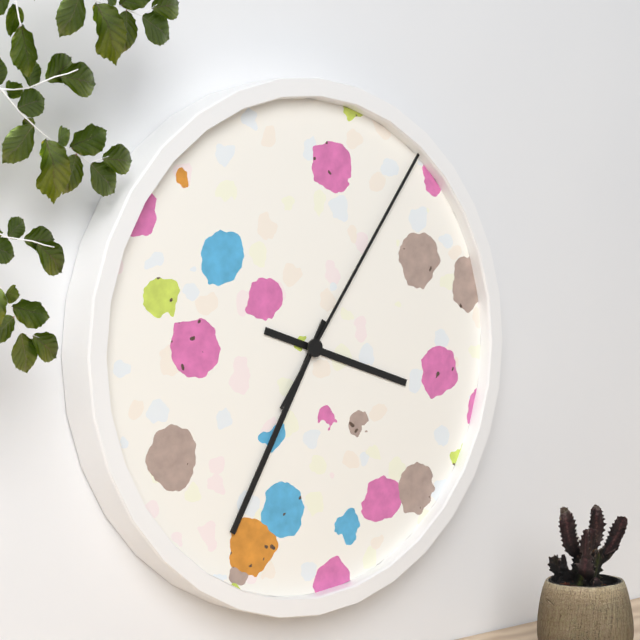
**3:35:06**
